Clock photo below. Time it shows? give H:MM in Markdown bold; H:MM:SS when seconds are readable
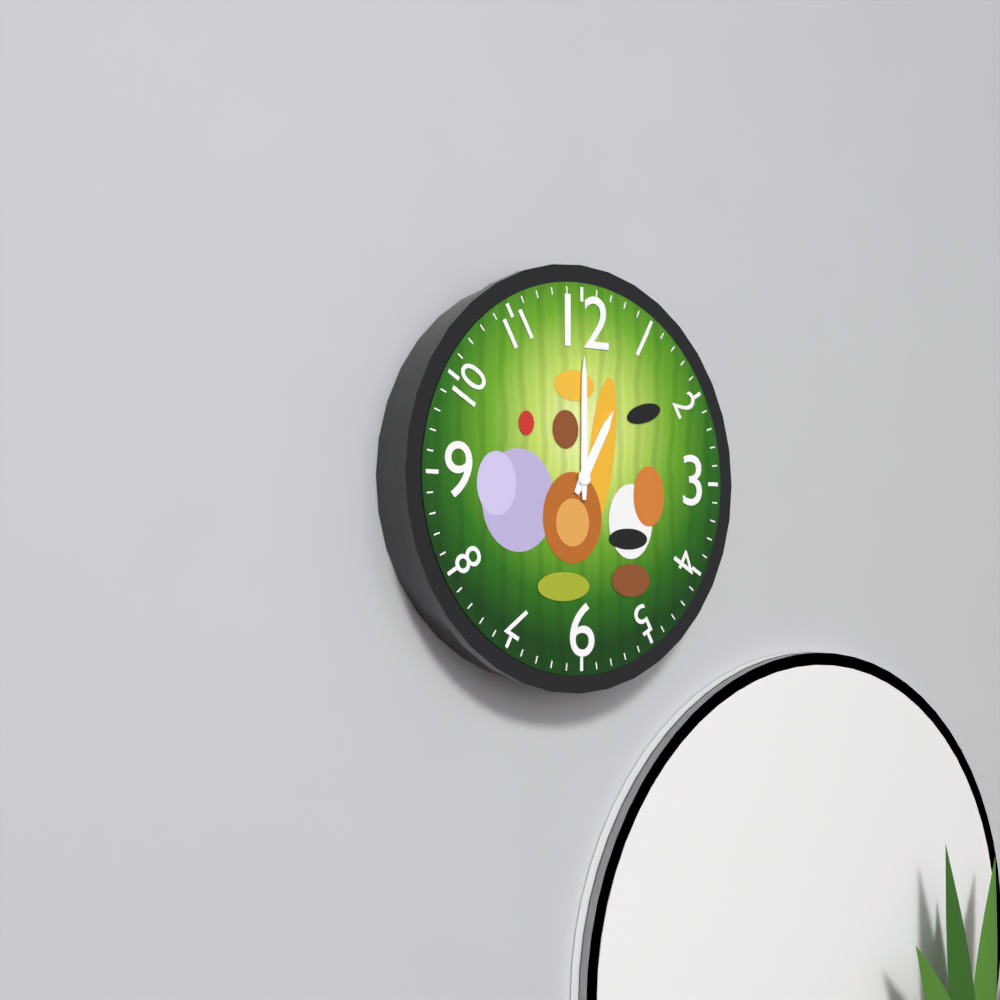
**1:00**
